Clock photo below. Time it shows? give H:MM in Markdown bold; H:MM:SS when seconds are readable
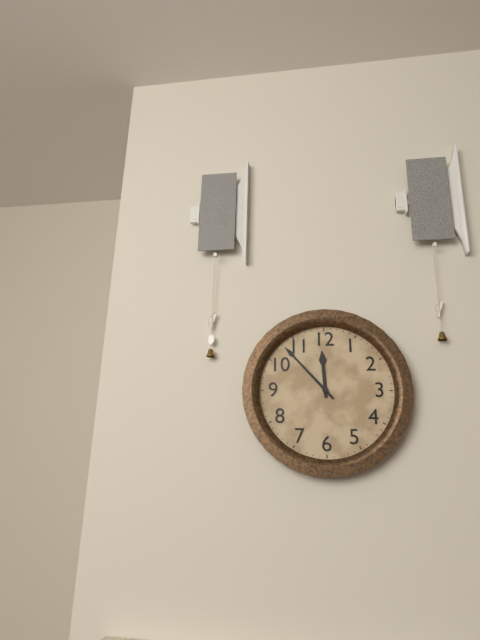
**11:53**
